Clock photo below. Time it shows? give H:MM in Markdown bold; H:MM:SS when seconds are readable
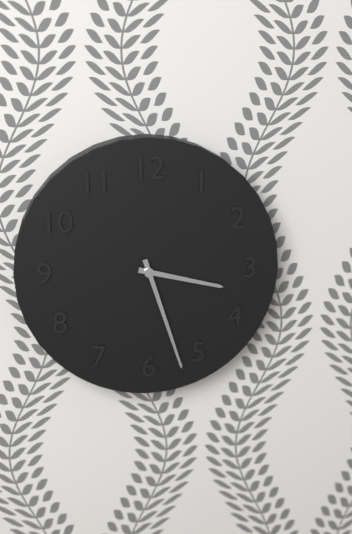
**3:27**
